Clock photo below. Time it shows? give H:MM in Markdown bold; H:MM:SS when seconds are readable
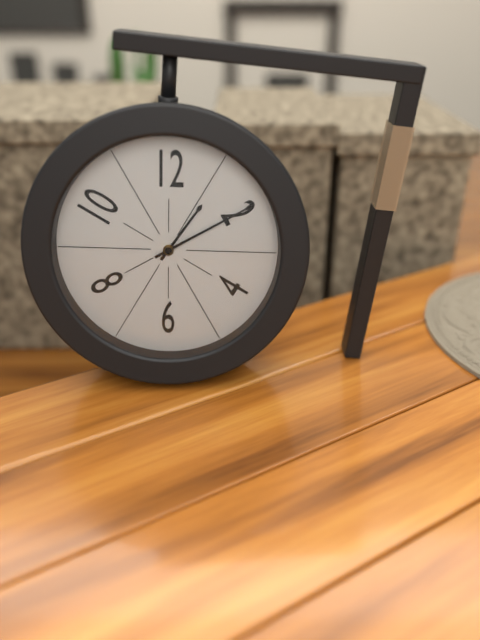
**1:10**
